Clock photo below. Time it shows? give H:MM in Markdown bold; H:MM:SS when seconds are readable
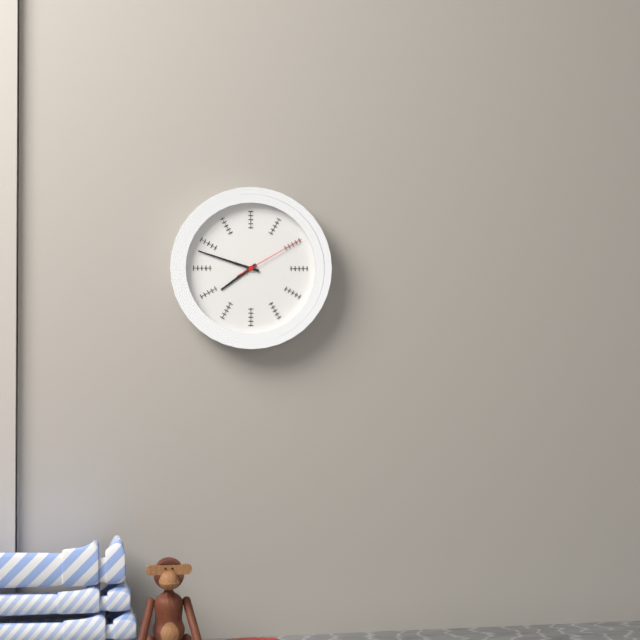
**7:48:10**
